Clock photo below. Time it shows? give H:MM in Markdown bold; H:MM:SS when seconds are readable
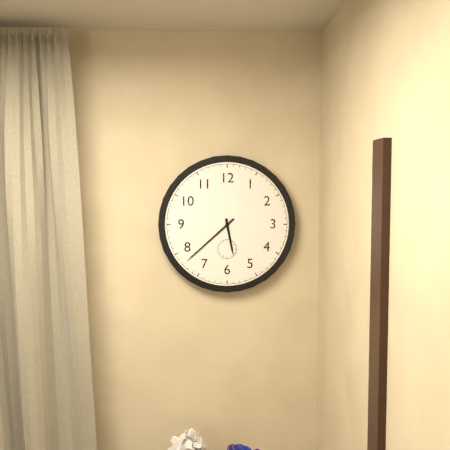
**5:38**
